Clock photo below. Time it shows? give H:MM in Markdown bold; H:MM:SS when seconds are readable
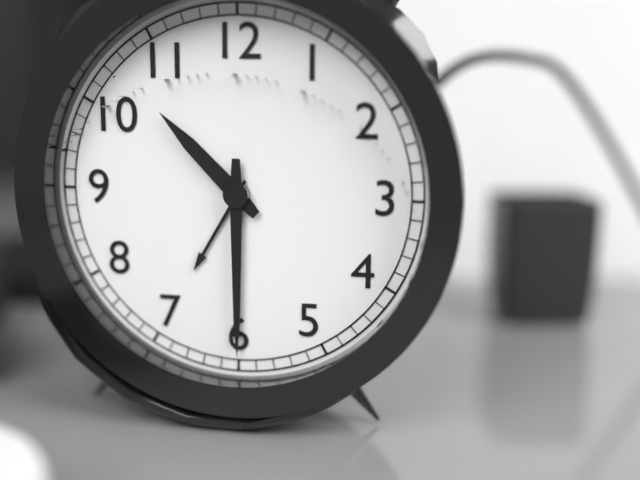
**10:30**
